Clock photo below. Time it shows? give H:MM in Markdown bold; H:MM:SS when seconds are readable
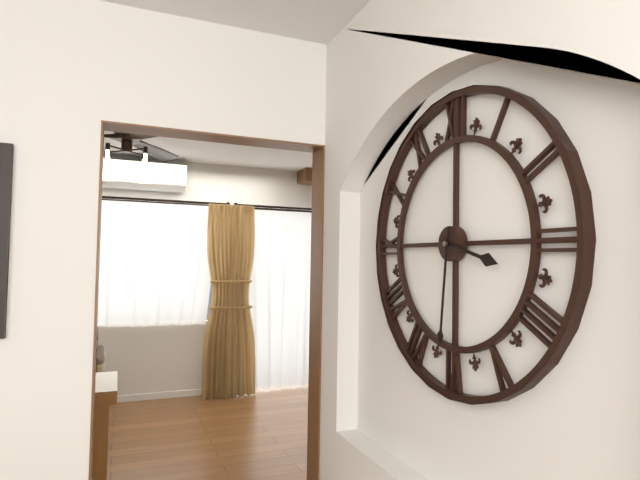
**3:31**
